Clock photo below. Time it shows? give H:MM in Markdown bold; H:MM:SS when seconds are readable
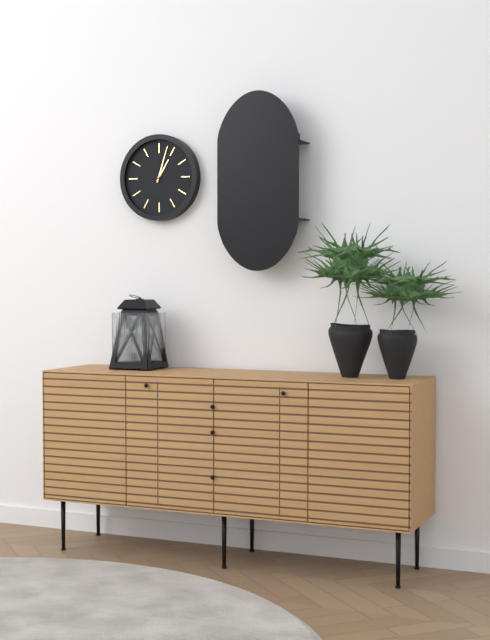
**1:03**
